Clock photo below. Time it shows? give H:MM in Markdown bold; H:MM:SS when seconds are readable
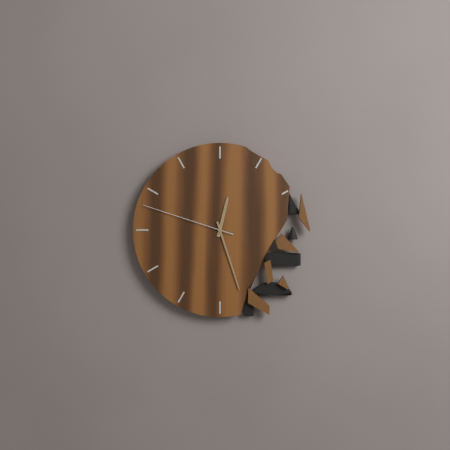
**12:27:48**
